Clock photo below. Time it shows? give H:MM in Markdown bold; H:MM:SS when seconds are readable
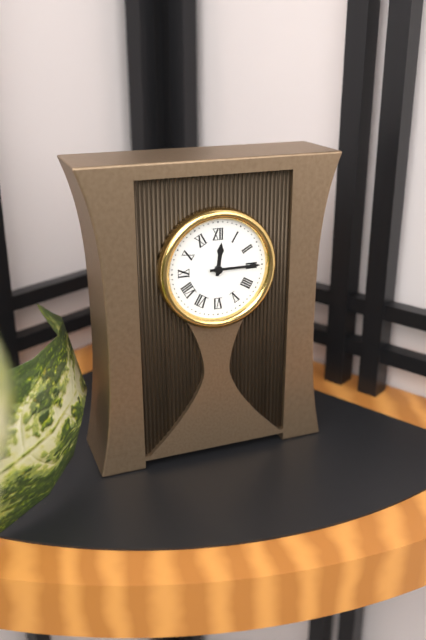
**12:15**
